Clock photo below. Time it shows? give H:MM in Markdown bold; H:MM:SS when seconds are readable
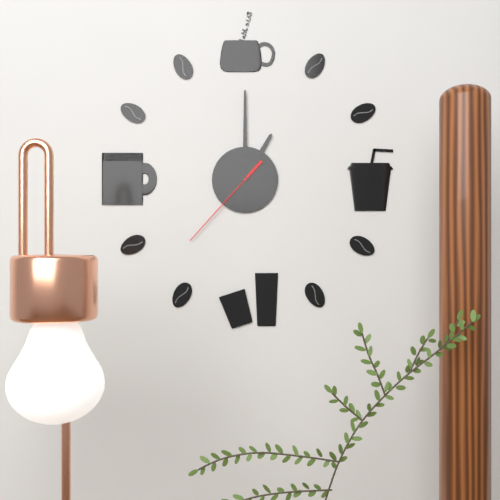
**1:00:37**
